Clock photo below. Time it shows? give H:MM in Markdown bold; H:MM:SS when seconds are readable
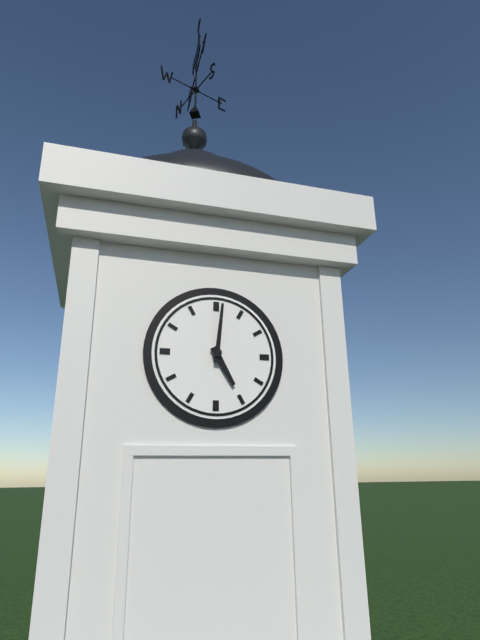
**5:01**
